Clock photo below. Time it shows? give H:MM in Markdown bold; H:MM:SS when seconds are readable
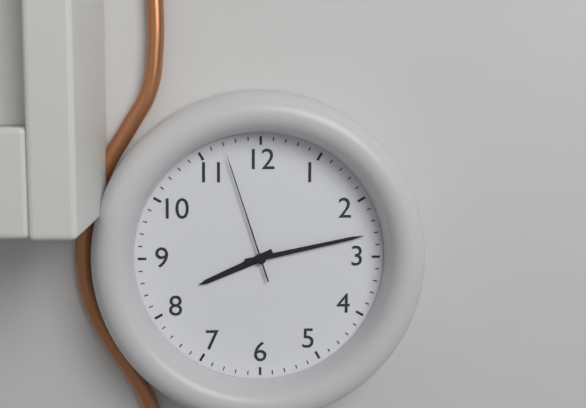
**8:13:57**
